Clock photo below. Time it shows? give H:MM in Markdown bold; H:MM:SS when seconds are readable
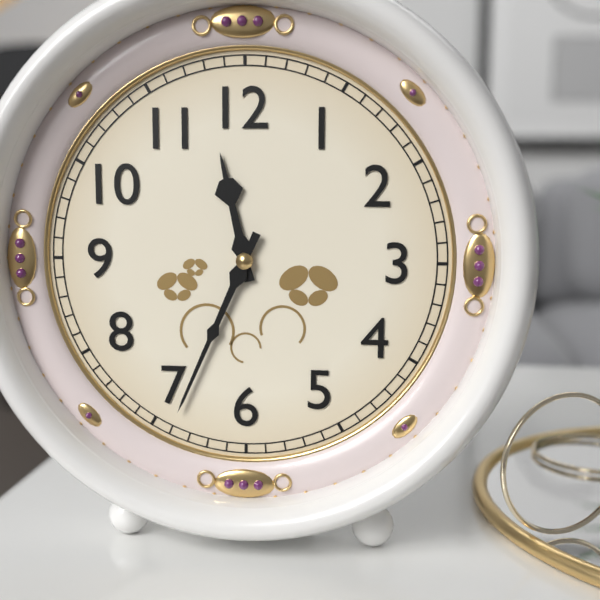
**11:34**
